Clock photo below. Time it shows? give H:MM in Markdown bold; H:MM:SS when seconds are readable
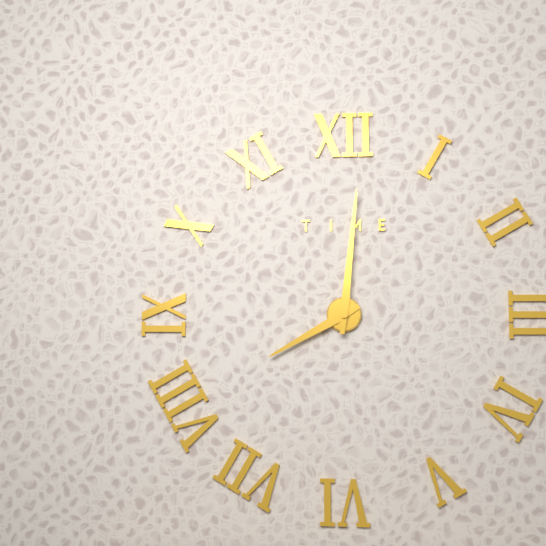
**8:01**
